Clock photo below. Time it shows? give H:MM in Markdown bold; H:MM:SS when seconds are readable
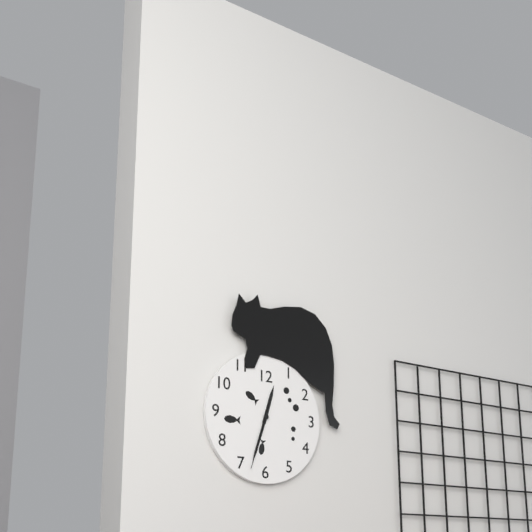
**12:33:33**
